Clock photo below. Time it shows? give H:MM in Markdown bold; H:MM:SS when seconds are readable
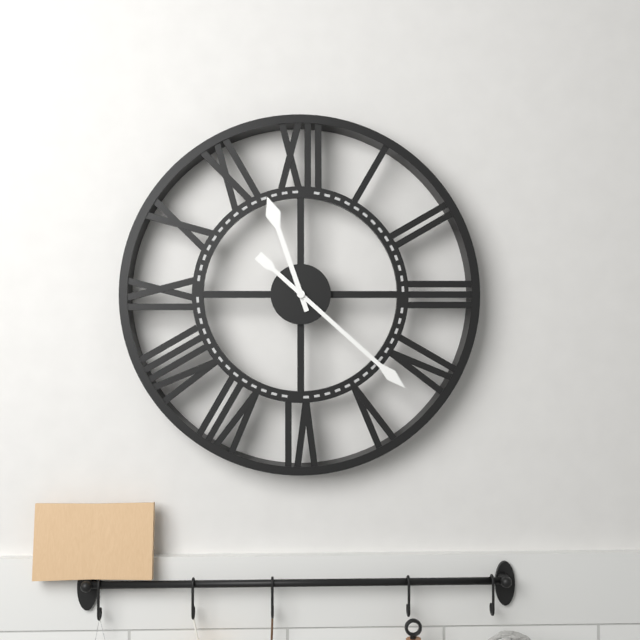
**11:22**
